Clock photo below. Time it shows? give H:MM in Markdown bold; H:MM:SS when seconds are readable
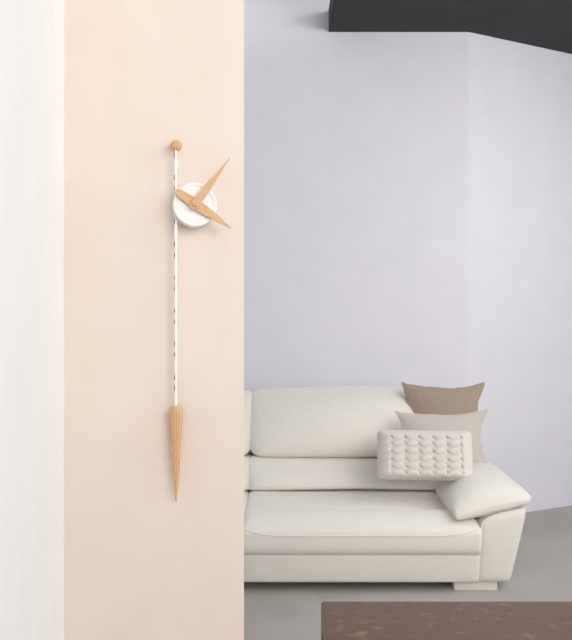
**4:06**
